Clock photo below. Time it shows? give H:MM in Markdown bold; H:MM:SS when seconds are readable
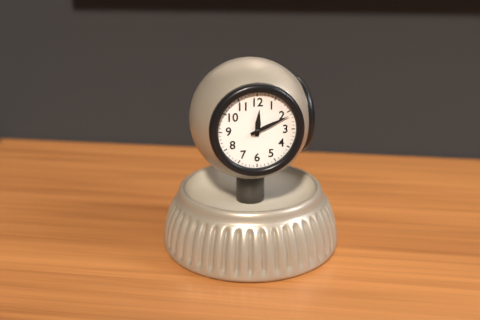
**12:11**
